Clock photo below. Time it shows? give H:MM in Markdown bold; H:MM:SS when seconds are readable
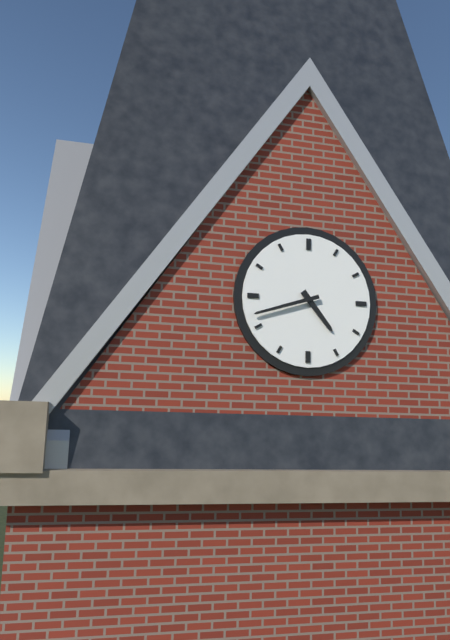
**4:42**
